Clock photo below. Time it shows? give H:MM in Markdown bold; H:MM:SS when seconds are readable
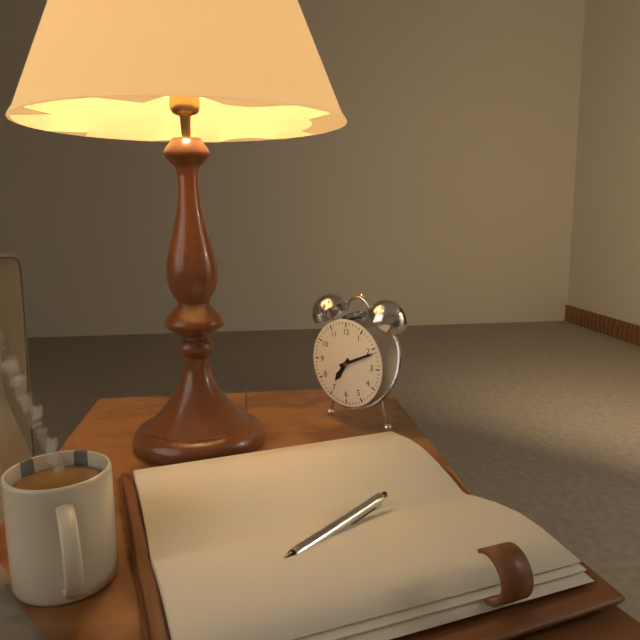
**7:11**
